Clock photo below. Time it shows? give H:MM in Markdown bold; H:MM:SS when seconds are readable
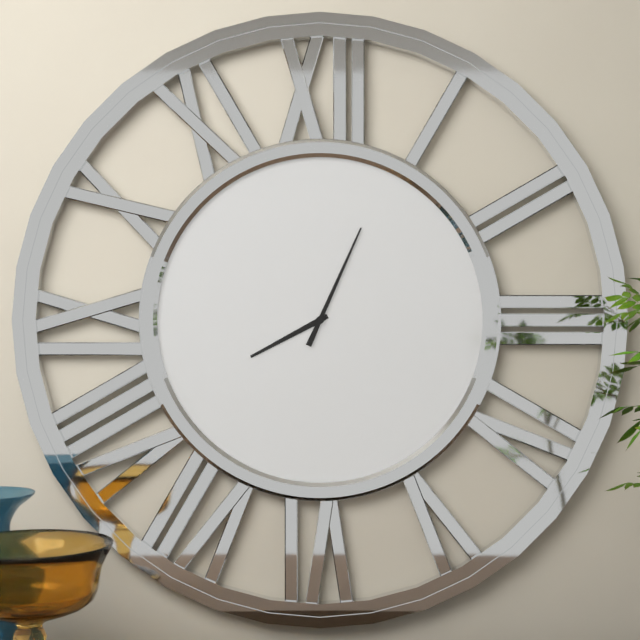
**8:04**
